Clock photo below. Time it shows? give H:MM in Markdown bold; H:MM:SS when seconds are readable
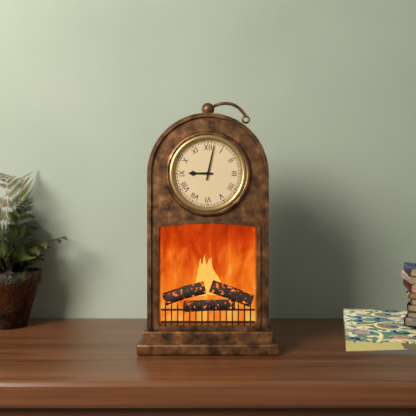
**9:02**
